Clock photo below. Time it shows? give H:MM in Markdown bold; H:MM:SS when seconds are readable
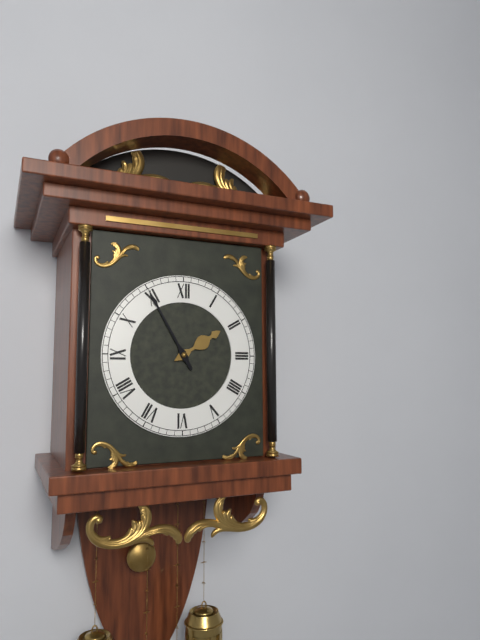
**1:55**
